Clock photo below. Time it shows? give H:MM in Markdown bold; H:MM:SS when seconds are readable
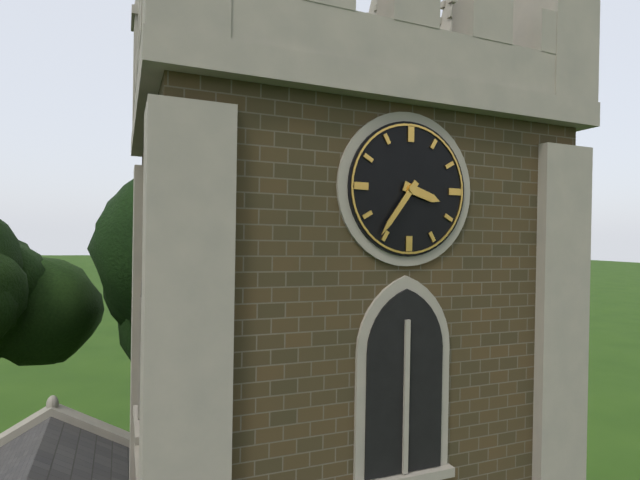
**3:36**
